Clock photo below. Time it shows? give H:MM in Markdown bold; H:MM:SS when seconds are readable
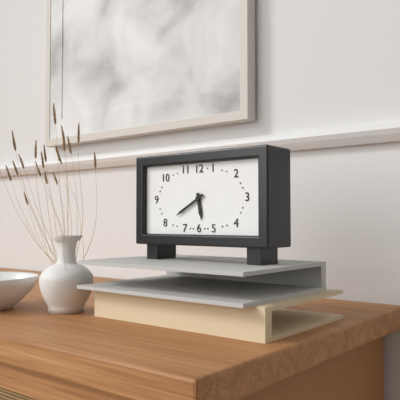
**5:40**
